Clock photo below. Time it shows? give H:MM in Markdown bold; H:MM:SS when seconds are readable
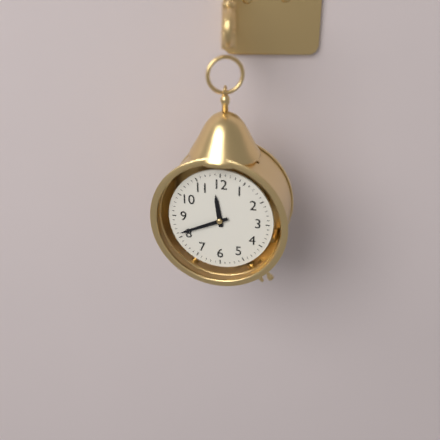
**11:41**
